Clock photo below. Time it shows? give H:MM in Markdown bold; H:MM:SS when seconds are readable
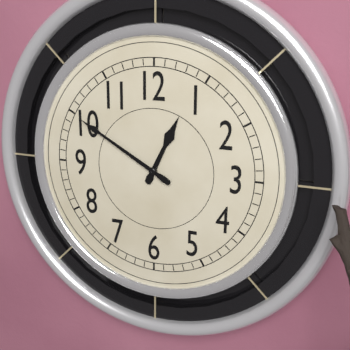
**12:50**
